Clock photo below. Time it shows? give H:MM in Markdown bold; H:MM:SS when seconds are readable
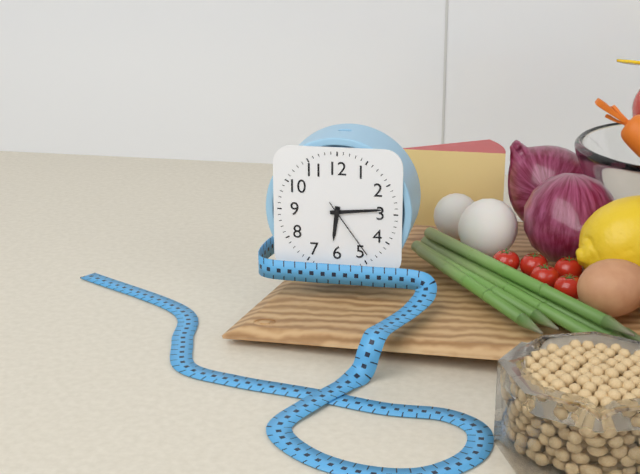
**6:14:24**
